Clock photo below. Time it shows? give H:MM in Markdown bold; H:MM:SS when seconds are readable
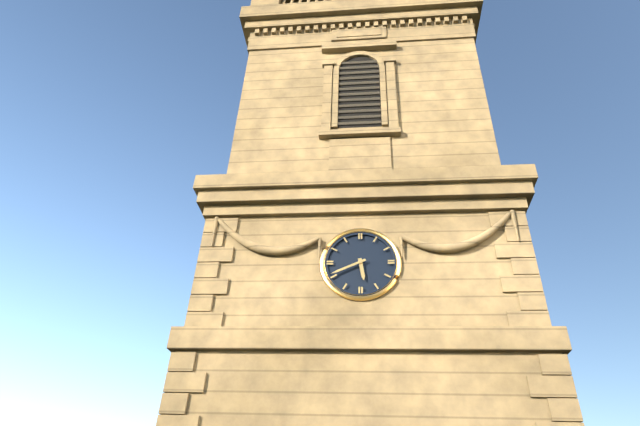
**5:41**
